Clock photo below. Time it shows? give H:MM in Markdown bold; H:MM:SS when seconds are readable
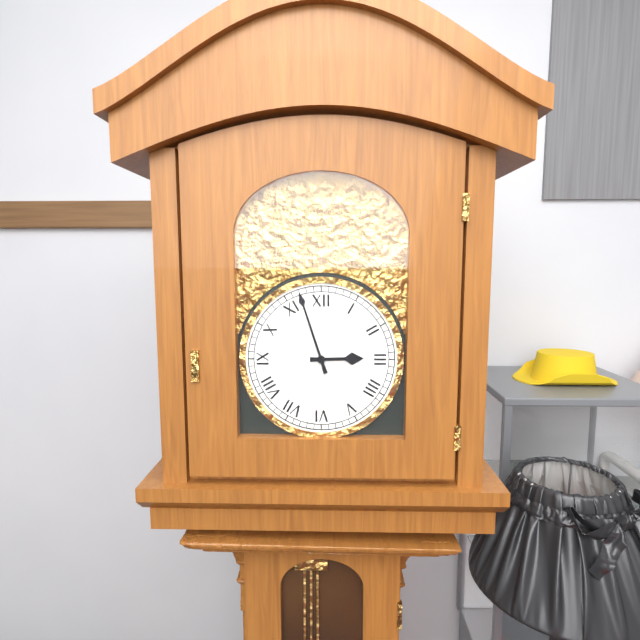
**2:57**
